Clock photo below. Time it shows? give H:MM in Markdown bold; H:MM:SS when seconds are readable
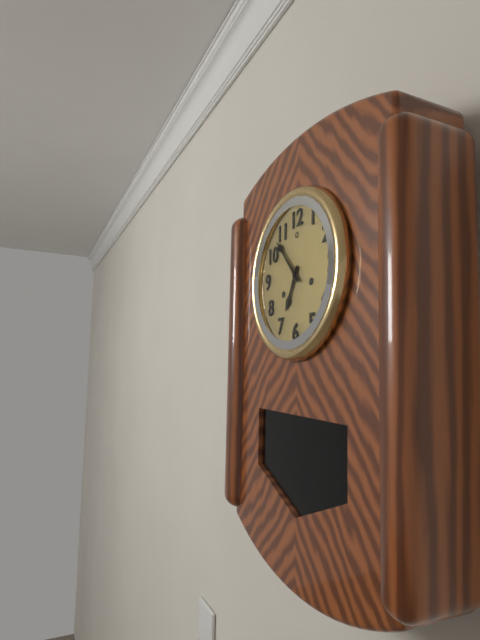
**6:53**
